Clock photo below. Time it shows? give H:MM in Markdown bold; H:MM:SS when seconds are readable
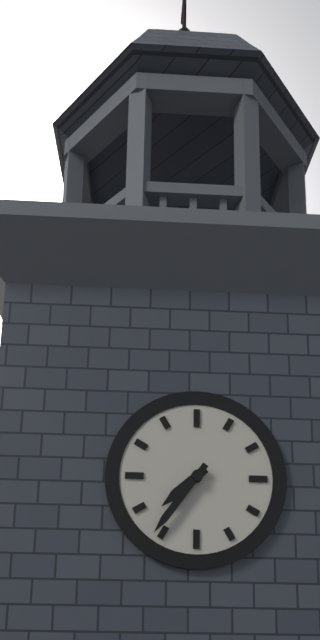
**7:36**
